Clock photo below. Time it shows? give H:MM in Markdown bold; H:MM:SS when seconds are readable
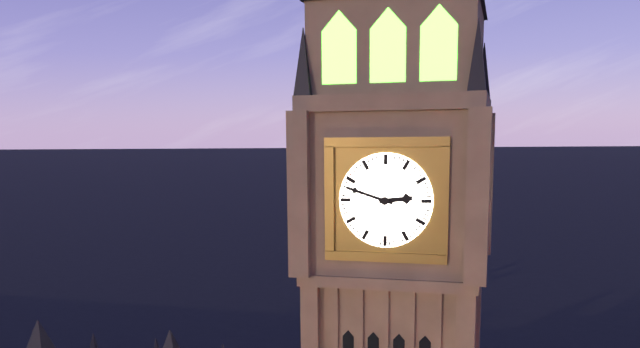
**2:48**
